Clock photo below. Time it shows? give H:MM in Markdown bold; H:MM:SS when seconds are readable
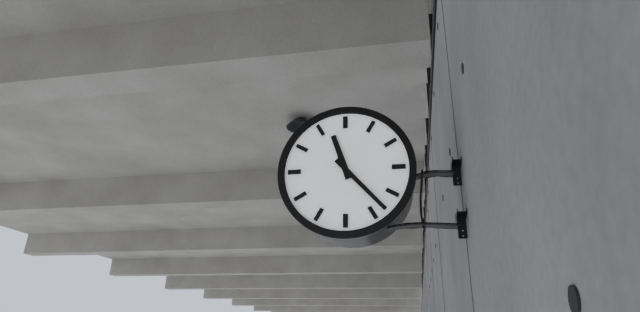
**11:23**
